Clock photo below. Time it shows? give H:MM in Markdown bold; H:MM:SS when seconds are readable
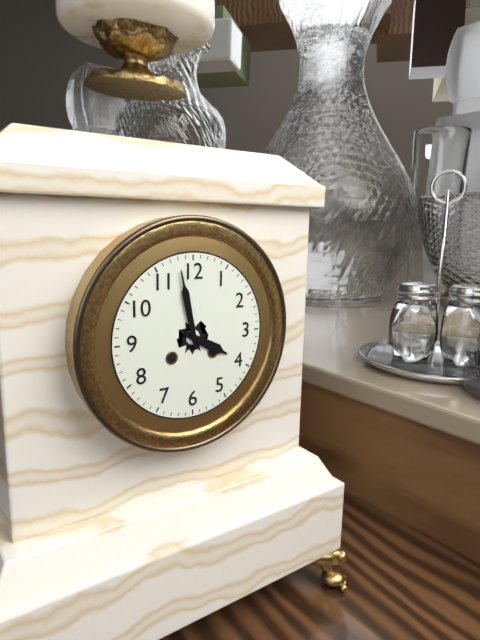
**3:58**
